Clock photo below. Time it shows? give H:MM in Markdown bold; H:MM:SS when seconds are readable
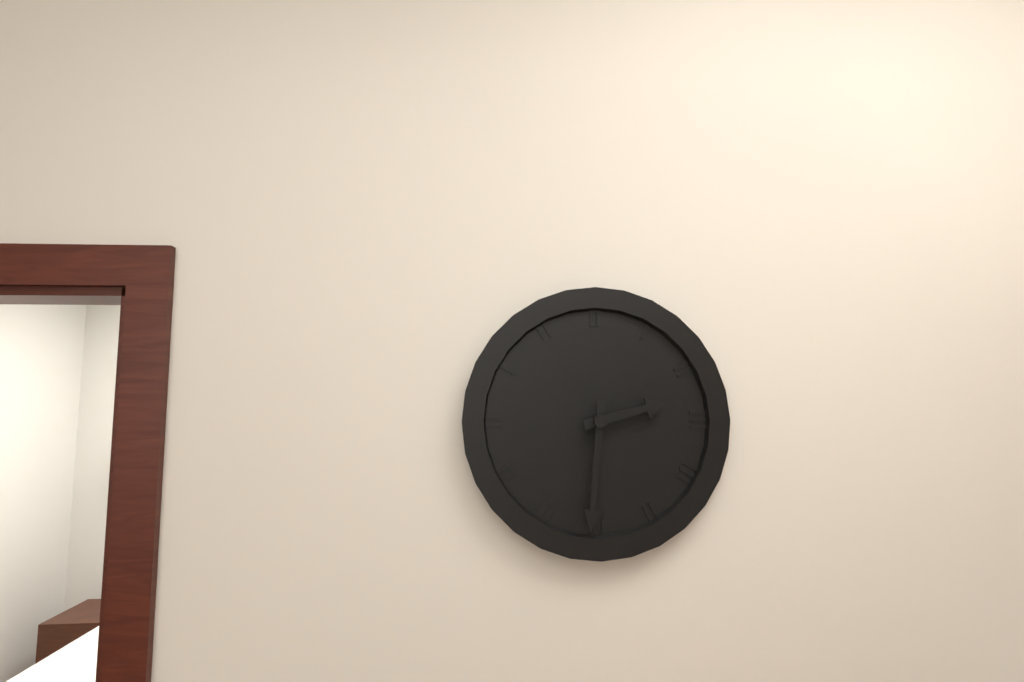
**2:31**
